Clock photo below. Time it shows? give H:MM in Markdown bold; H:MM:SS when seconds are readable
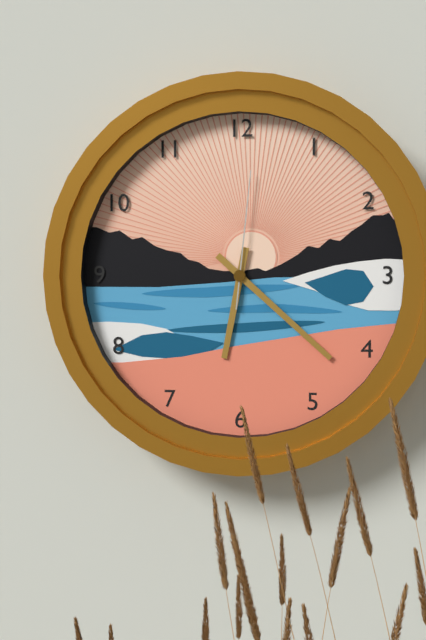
**6:22:01**
